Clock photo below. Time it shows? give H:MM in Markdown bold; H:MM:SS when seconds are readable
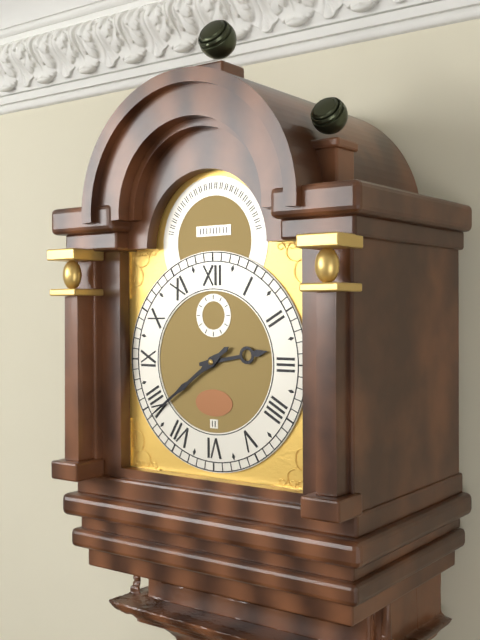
**2:39**
